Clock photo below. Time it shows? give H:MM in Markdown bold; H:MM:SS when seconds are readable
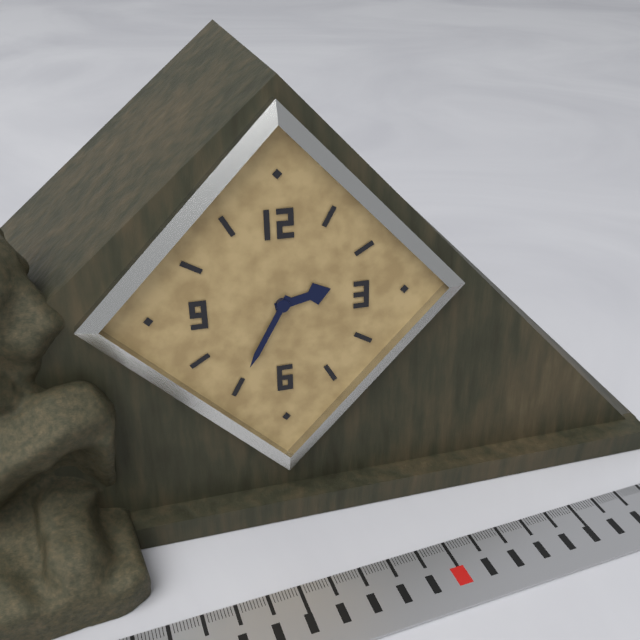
**2:35**
